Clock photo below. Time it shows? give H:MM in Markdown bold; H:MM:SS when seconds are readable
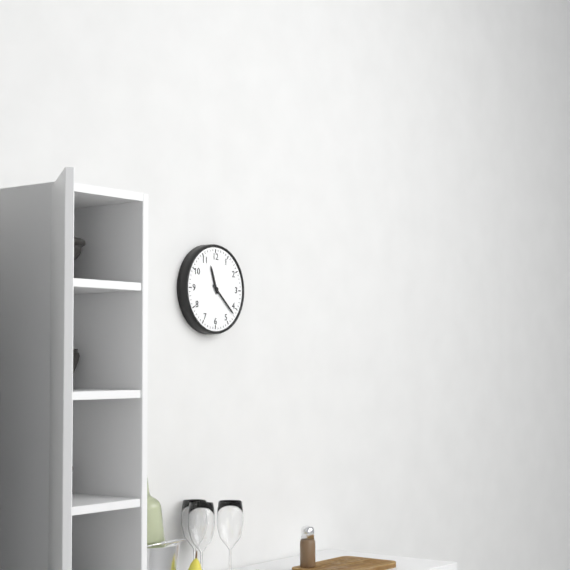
**11:22**
